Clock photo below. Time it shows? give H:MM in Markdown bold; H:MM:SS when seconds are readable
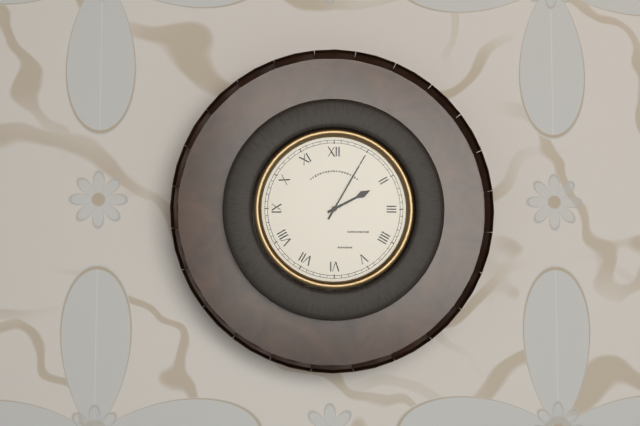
**2:05**
